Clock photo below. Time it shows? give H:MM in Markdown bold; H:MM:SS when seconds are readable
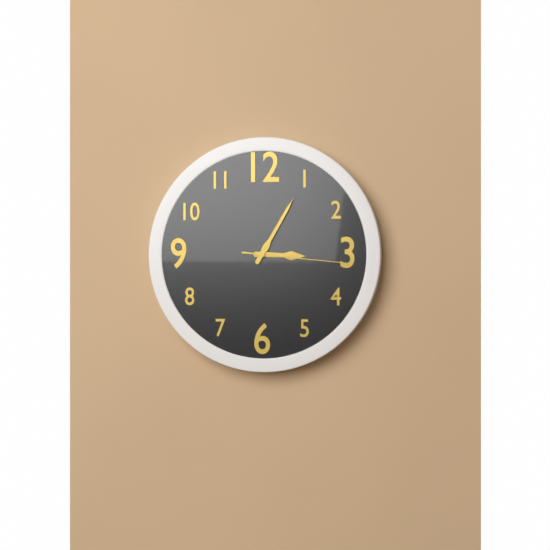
**3:05:16**
